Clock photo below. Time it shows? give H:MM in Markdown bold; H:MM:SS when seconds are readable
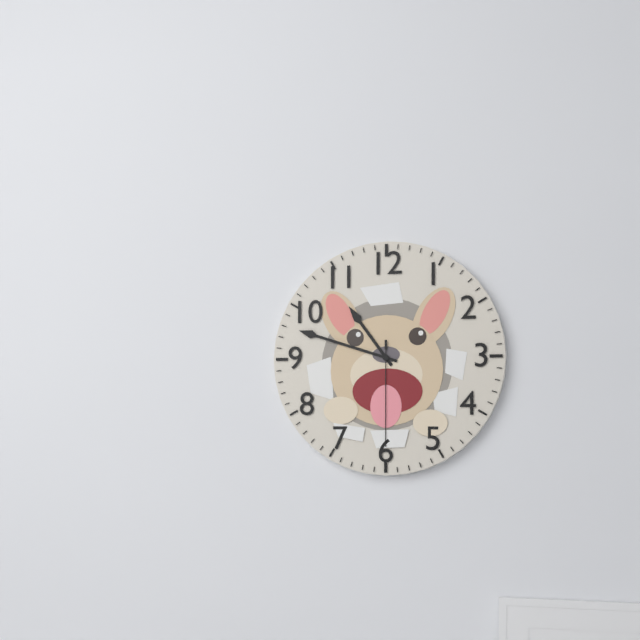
**10:48:30**
